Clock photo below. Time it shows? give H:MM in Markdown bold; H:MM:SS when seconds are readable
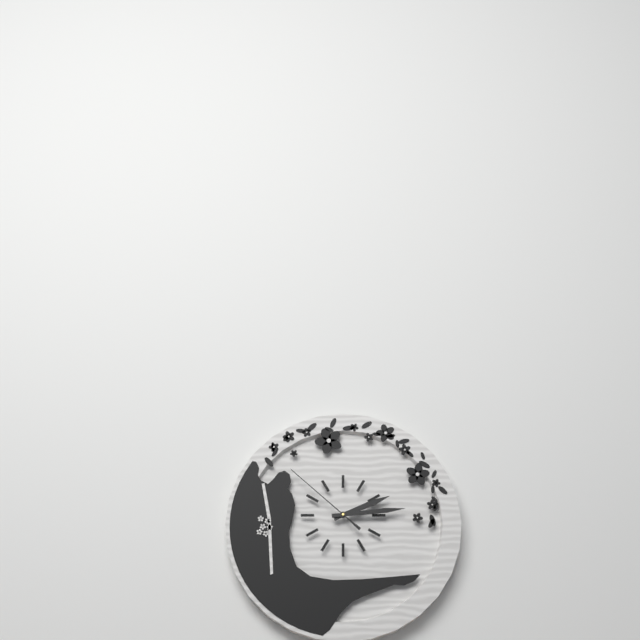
**2:14:52**
